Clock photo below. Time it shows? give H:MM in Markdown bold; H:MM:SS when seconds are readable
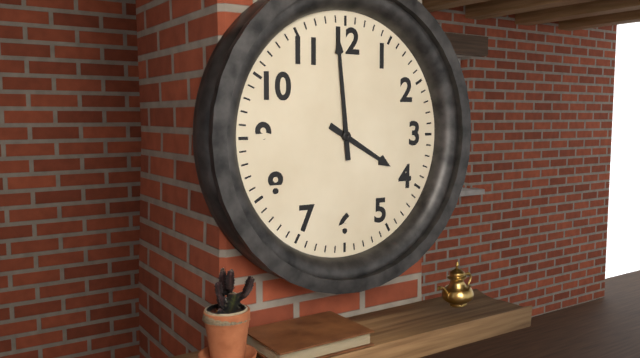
**3:59**
